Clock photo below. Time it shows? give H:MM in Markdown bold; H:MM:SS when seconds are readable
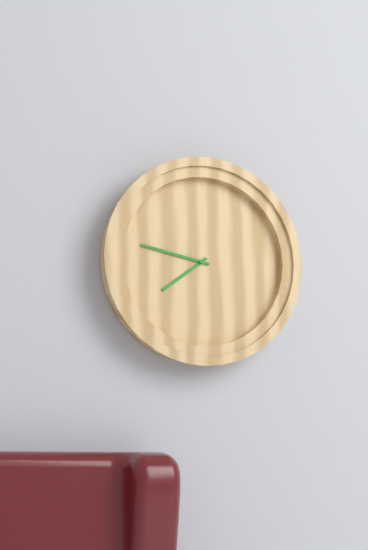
**7:47**
